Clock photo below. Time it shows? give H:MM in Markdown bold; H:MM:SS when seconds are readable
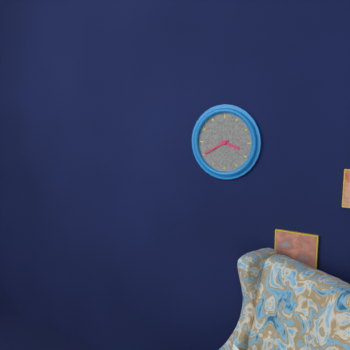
**3:40**
